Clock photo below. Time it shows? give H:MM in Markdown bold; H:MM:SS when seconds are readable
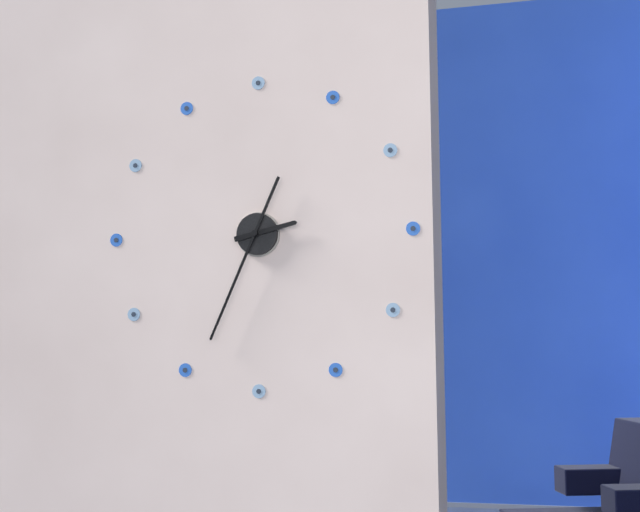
**2:34**
